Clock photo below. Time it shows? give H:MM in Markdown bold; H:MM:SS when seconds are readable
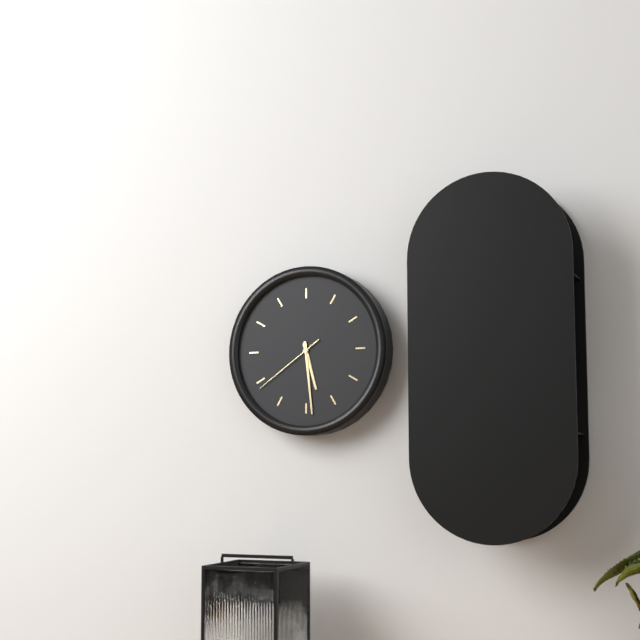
**5:29:39**
